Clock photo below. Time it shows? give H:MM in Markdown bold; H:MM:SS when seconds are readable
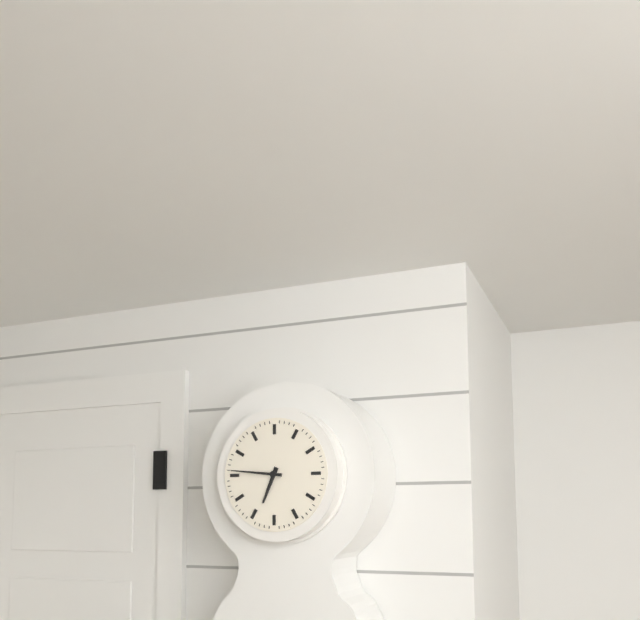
**6:46**
